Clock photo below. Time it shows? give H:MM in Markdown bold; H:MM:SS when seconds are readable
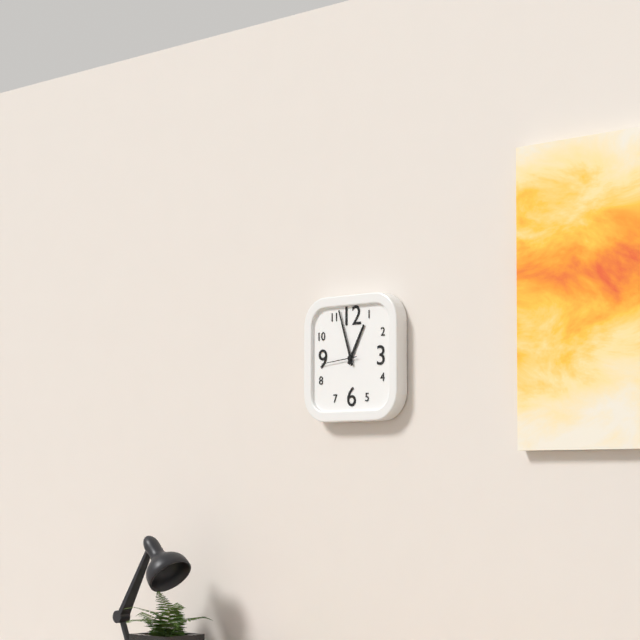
**12:57**
